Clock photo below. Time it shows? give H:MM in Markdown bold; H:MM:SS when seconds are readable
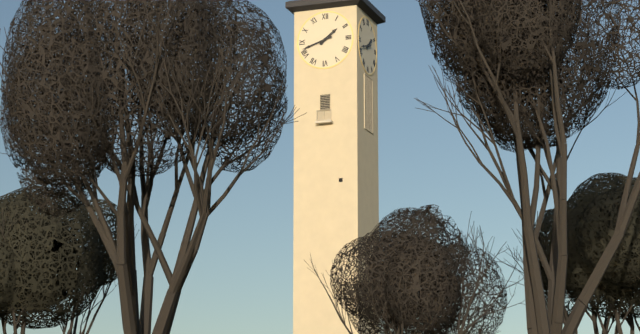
**1:42**
